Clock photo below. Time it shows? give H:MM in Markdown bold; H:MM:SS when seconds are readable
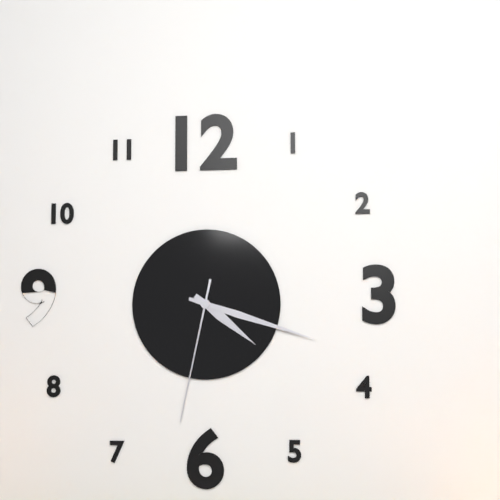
**4:18:32**
